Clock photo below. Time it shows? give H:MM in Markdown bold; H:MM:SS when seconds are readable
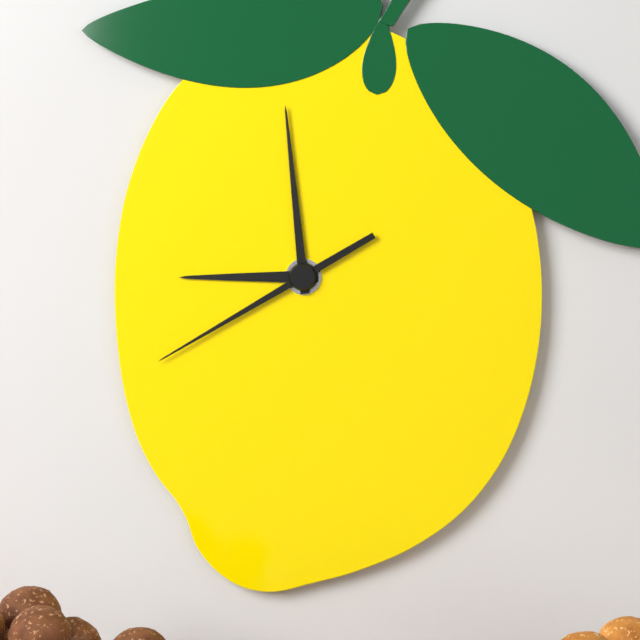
**8:59:40**
